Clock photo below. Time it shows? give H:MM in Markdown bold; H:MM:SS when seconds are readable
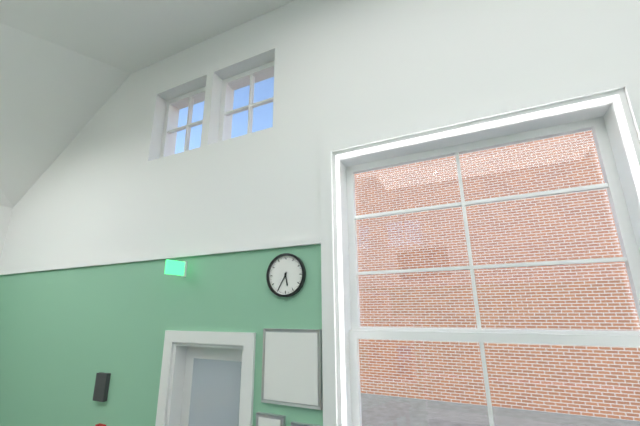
**5:35**
